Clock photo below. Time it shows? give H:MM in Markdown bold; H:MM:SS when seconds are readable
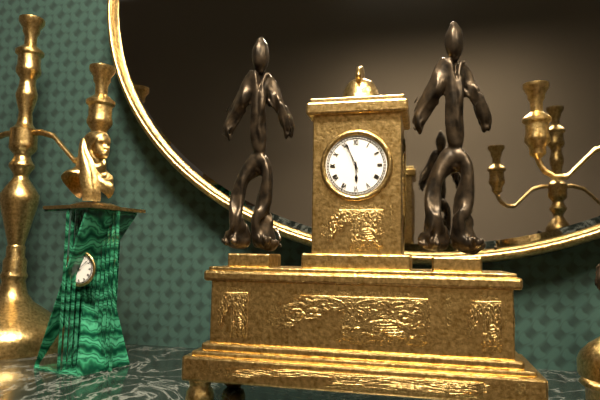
**5:56**
